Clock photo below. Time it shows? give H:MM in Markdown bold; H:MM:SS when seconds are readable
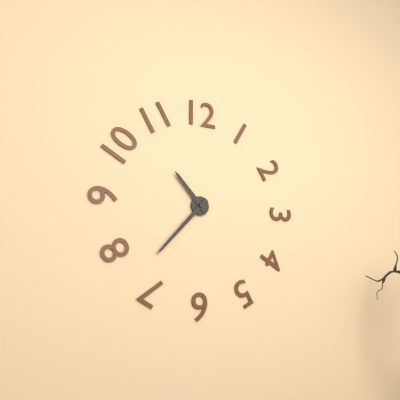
**10:37**
